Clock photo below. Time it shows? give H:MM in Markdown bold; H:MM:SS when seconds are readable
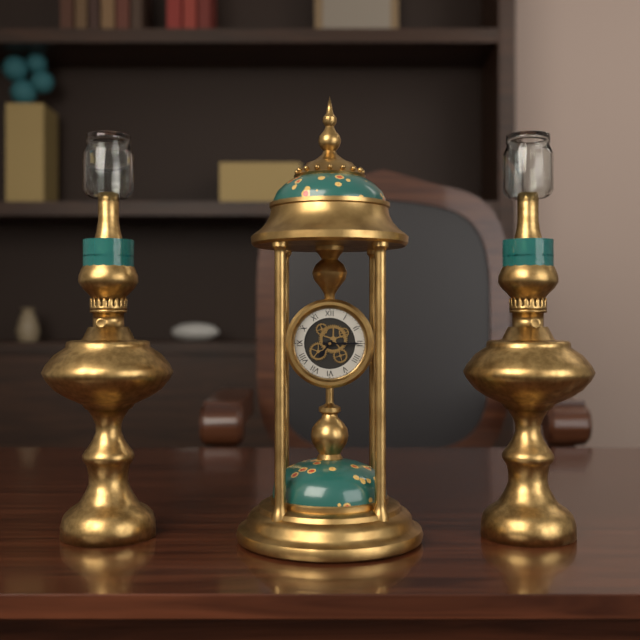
**7:15**
